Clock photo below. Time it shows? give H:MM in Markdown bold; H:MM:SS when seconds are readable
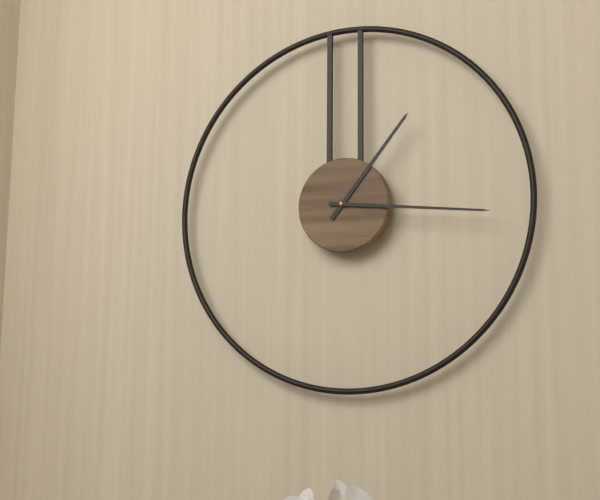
**1:16**
